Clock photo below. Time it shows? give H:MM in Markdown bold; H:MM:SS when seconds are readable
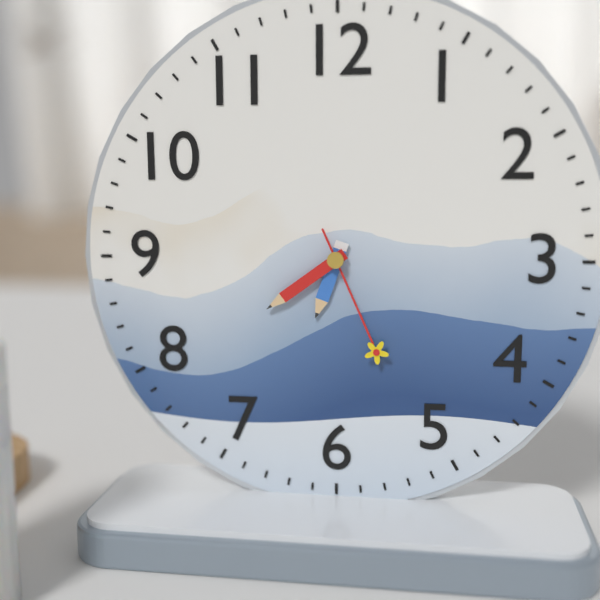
**6:39:26**
